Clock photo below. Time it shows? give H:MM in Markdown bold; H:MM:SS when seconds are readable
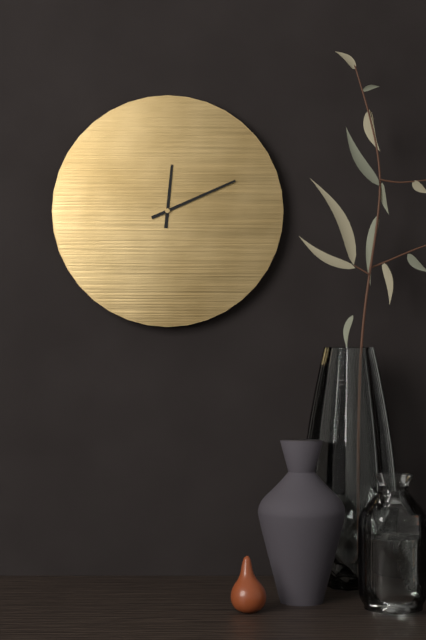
**12:11**
